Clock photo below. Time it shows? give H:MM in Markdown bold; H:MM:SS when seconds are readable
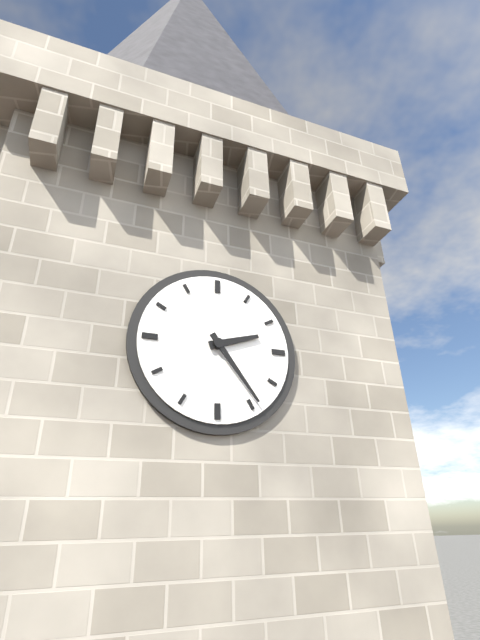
**2:24**
